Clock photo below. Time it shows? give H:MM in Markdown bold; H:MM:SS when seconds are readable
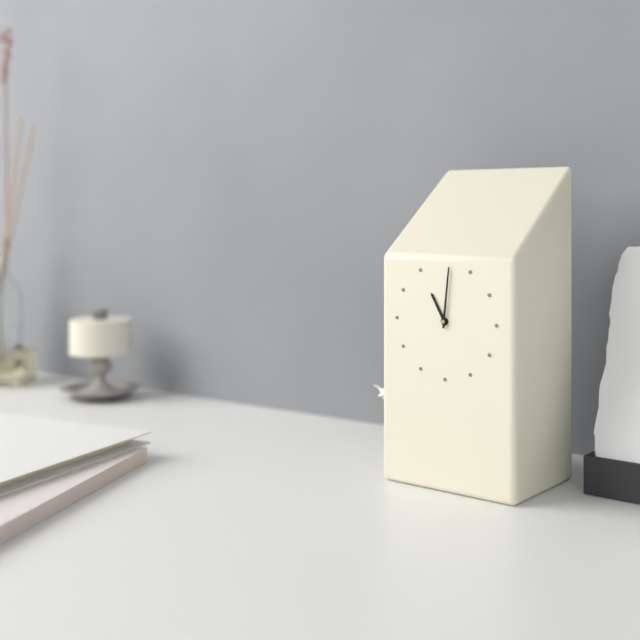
**11:01**
